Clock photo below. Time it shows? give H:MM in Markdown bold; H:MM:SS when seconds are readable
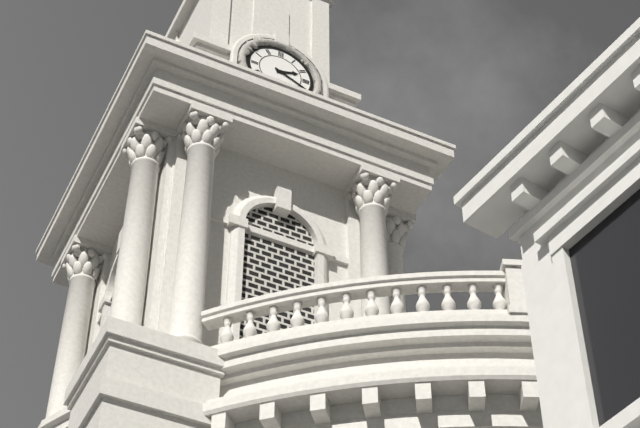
**2:19**
